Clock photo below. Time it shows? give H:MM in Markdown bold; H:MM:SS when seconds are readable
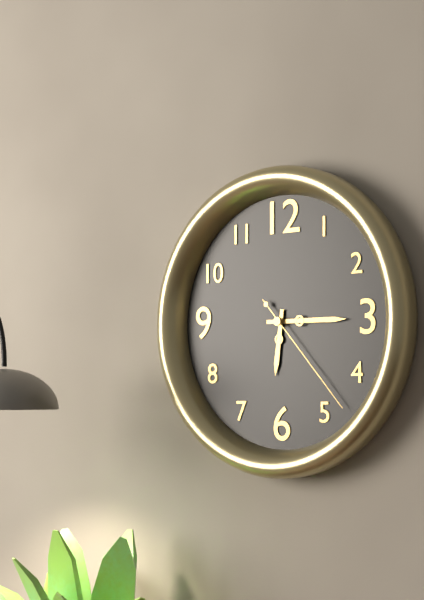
**6:15:23**
